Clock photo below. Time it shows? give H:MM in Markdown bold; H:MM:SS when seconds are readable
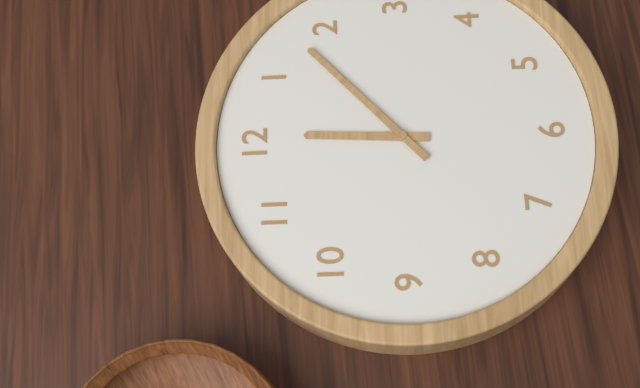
**12:08**
